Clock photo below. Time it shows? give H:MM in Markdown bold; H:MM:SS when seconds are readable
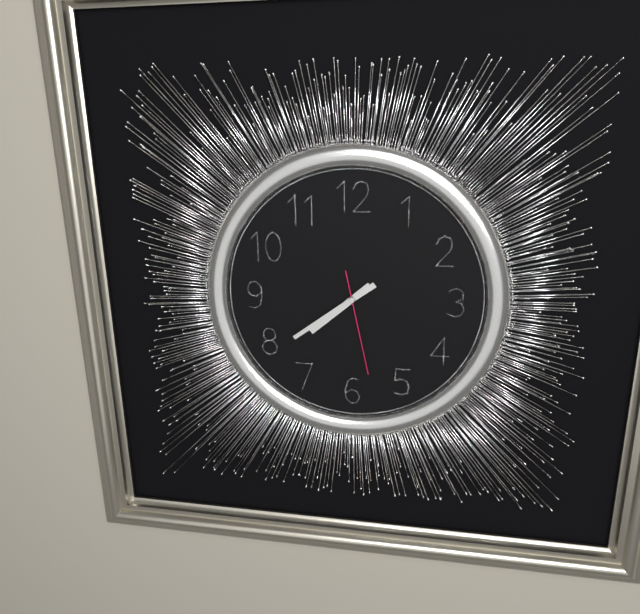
**7:39:28**
